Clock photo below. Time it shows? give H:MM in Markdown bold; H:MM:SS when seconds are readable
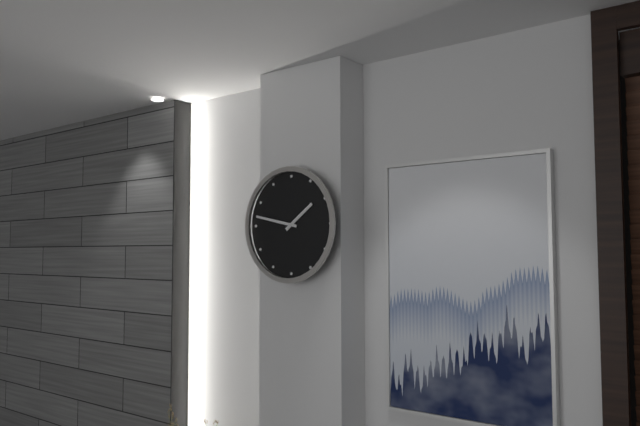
**1:47**
